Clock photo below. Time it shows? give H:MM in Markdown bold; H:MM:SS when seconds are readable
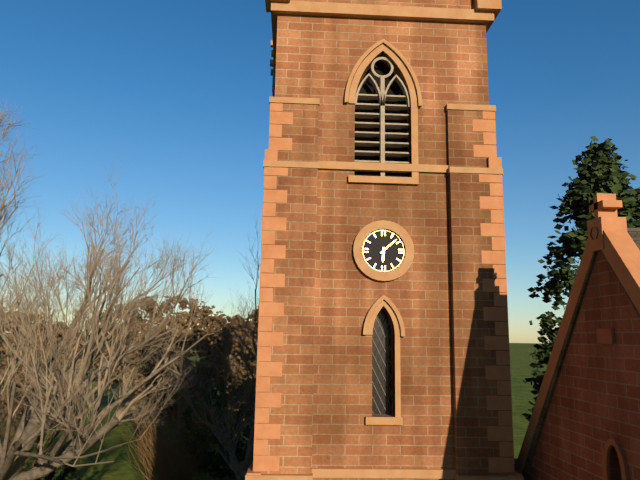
**6:08**
